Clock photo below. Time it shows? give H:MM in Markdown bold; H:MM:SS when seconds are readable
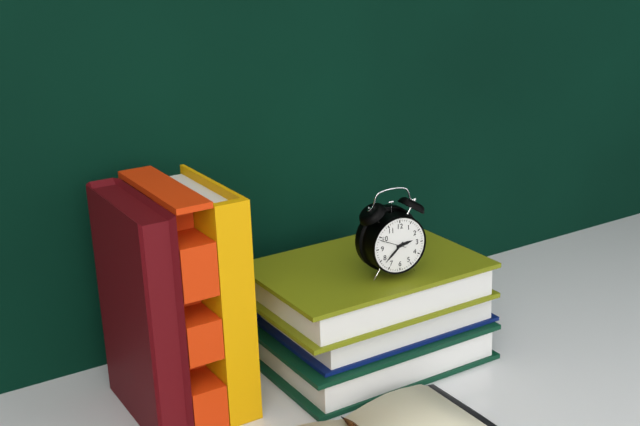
**2:38**
